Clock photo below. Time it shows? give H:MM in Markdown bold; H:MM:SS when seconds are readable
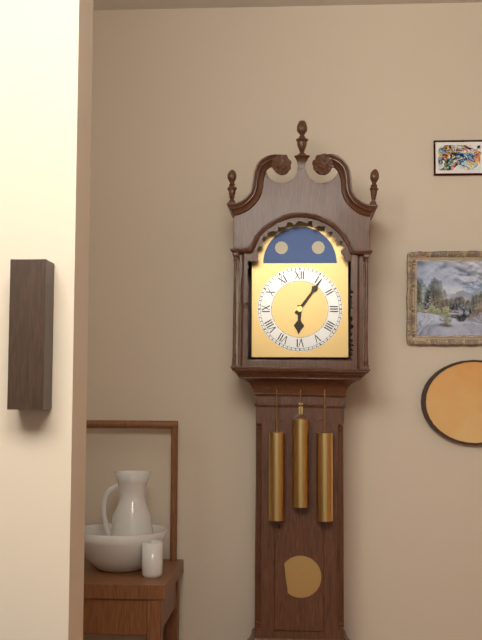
**6:06**
